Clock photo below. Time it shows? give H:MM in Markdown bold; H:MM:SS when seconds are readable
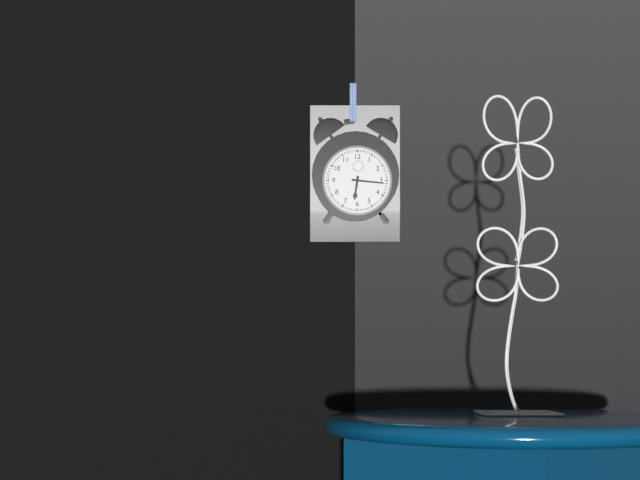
**6:16**
